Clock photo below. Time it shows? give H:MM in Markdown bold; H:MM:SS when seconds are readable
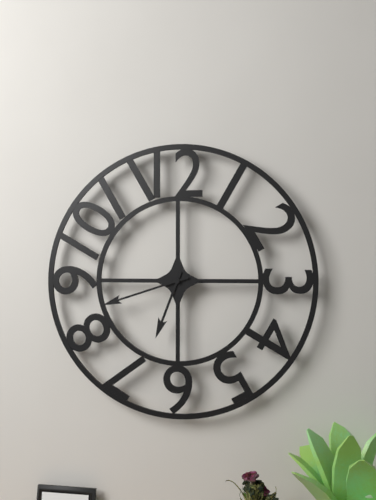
**6:42**
